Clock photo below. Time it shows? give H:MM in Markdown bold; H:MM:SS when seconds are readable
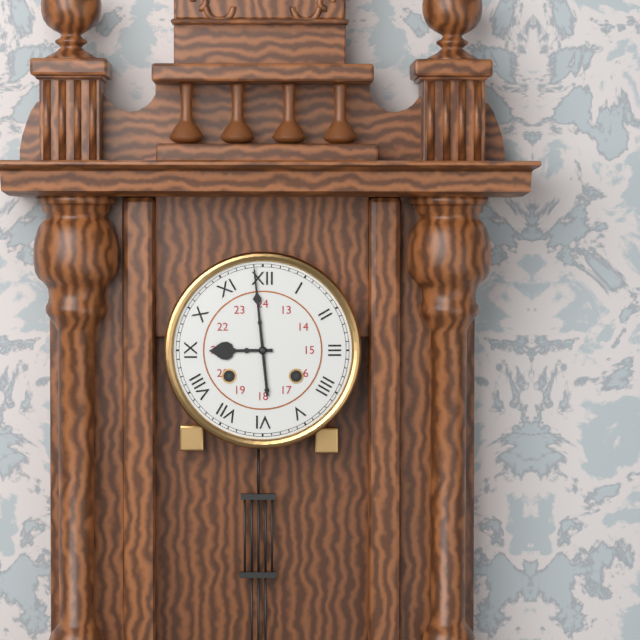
**8:59**
